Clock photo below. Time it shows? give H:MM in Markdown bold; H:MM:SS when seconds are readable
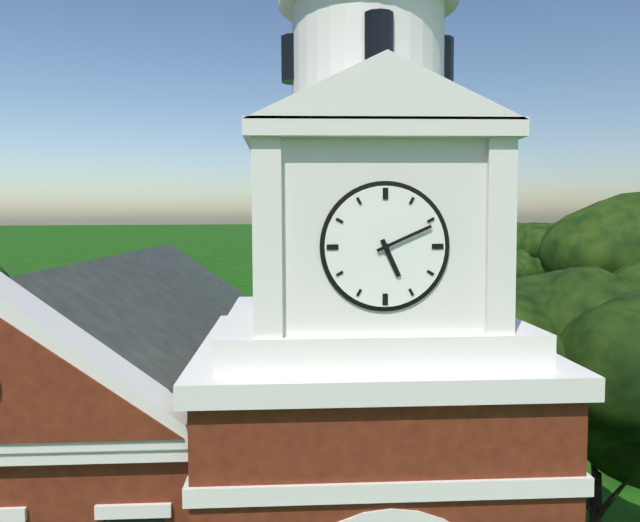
**5:11**
